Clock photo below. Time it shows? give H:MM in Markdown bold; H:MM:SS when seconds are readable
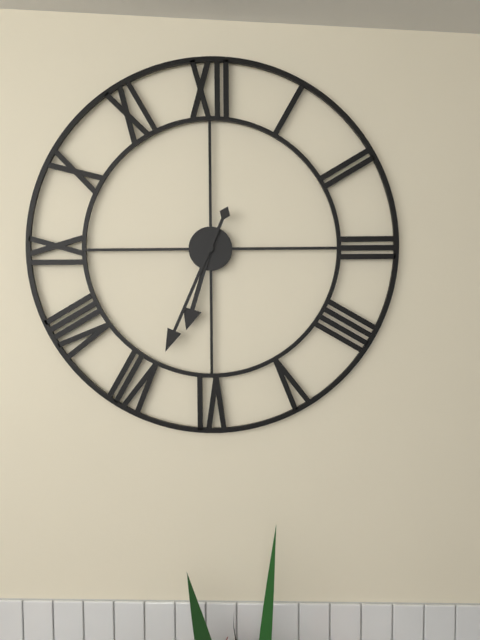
**6:34**
